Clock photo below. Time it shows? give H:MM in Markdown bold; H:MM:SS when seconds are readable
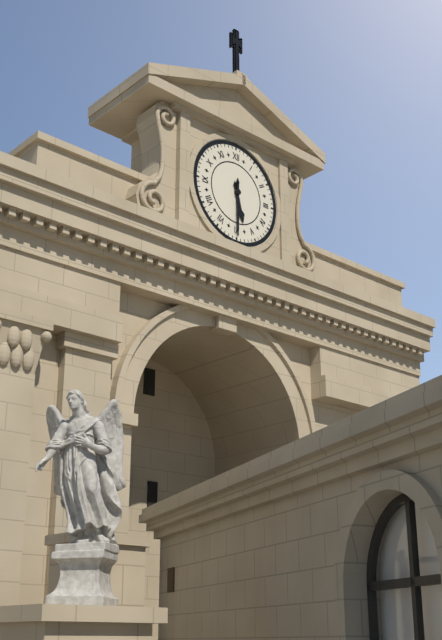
**5:30**
